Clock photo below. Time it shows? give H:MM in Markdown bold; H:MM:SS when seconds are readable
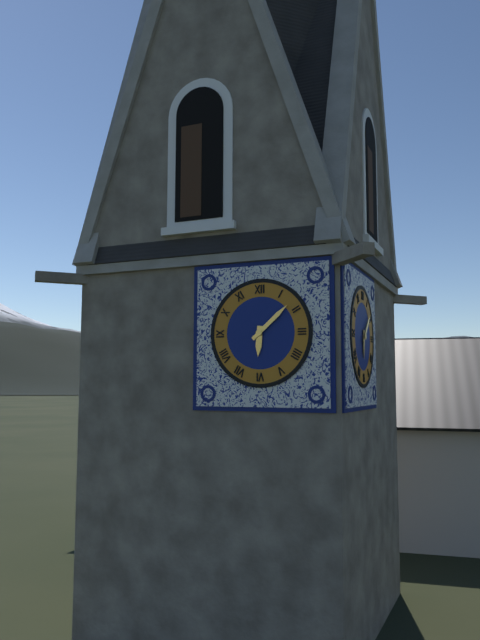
**6:08**
